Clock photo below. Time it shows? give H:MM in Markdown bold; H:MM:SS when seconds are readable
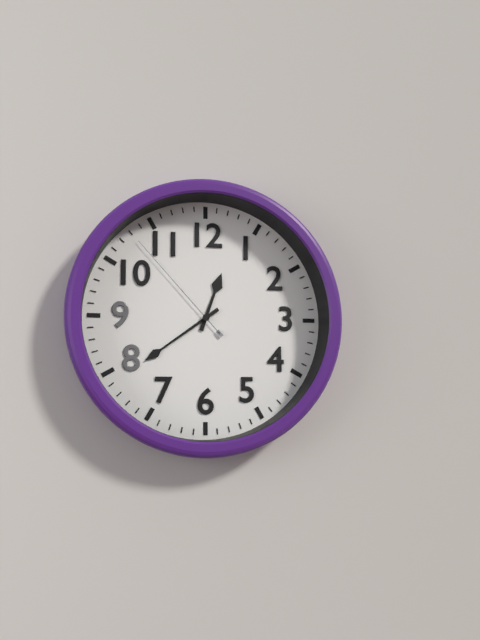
**12:39:53**
